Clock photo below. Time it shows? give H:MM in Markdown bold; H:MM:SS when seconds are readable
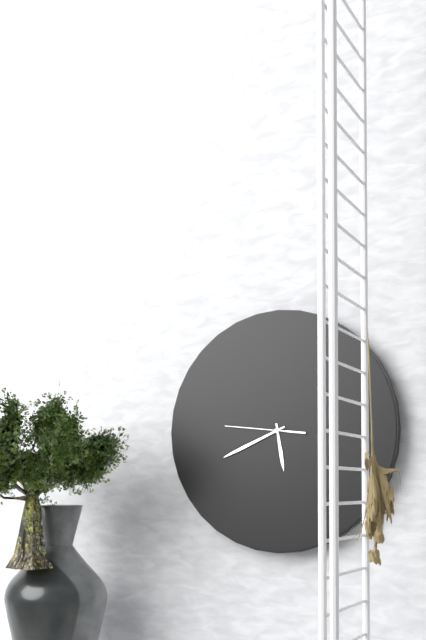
**5:41:46**
